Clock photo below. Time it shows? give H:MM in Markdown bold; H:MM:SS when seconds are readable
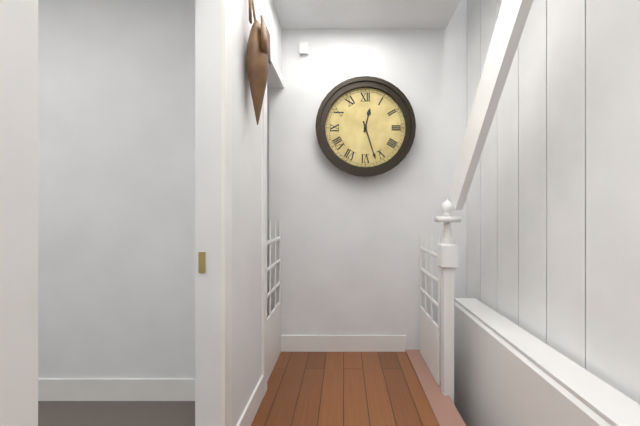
**12:27**
